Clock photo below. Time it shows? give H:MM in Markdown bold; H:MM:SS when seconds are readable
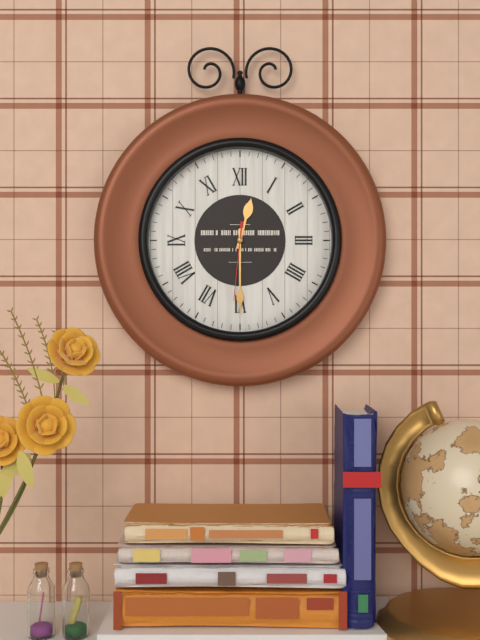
**12:30:31**
